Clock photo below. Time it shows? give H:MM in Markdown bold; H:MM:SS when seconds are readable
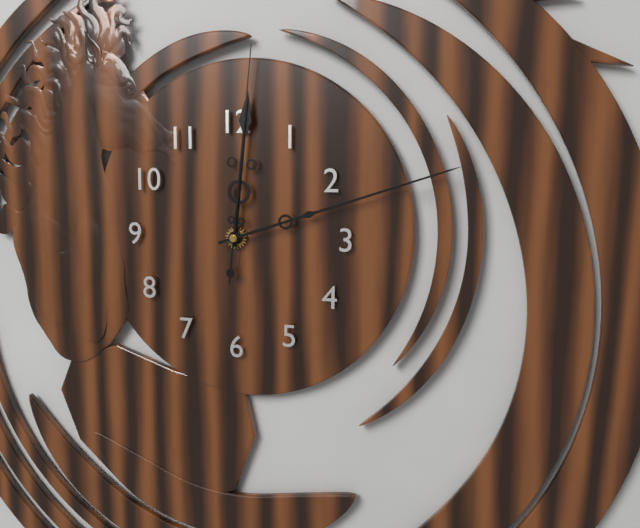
**12:12:01**
